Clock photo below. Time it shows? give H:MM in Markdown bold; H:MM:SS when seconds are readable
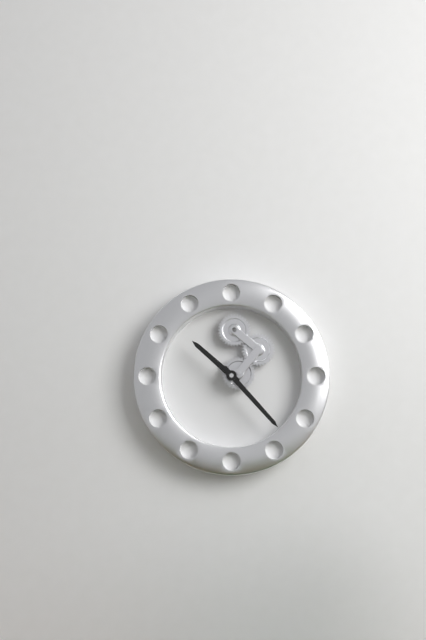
**10:23**
